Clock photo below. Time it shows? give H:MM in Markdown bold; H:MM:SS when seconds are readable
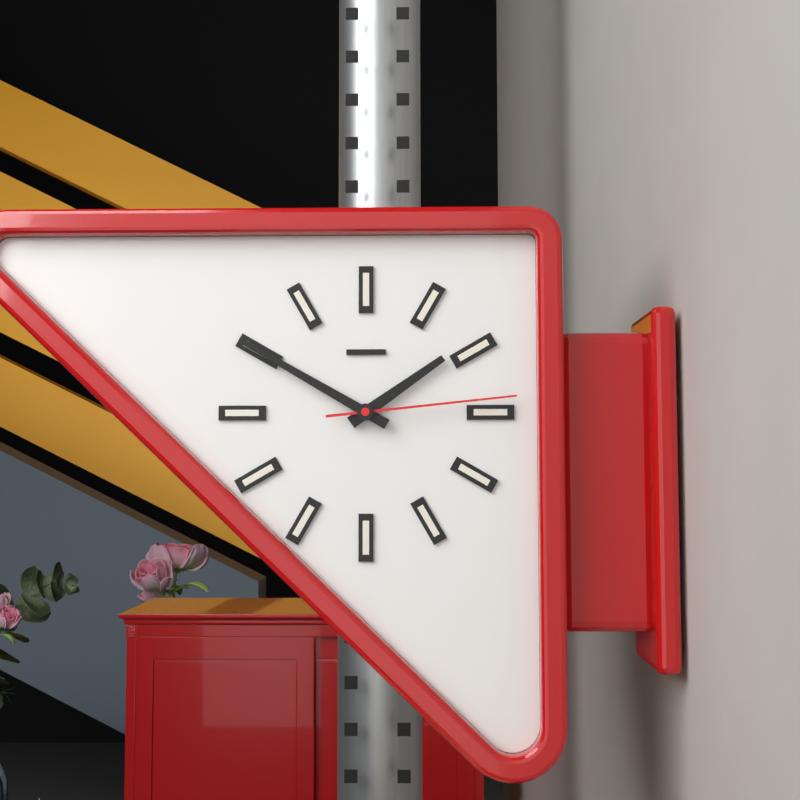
**1:50:14**
